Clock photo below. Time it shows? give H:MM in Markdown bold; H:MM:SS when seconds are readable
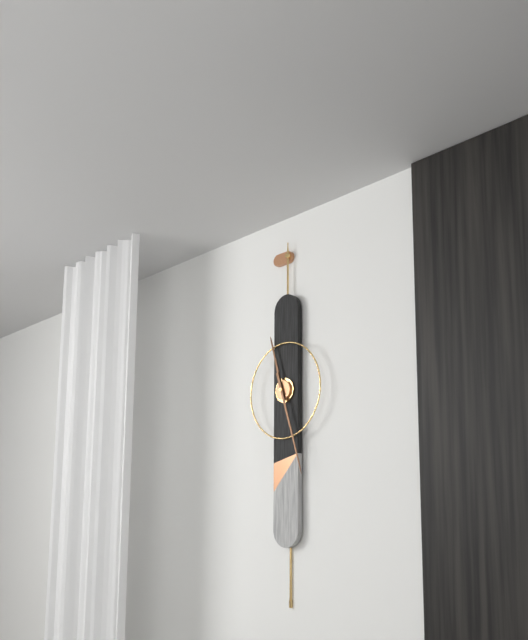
**11:27**
